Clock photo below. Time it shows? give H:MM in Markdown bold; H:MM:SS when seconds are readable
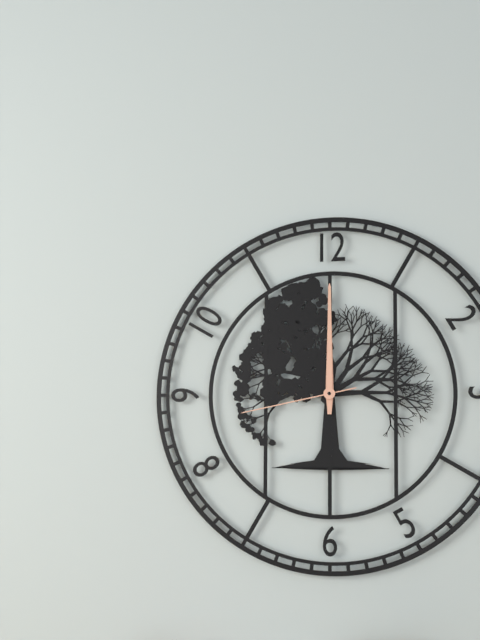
**12:00:43**
